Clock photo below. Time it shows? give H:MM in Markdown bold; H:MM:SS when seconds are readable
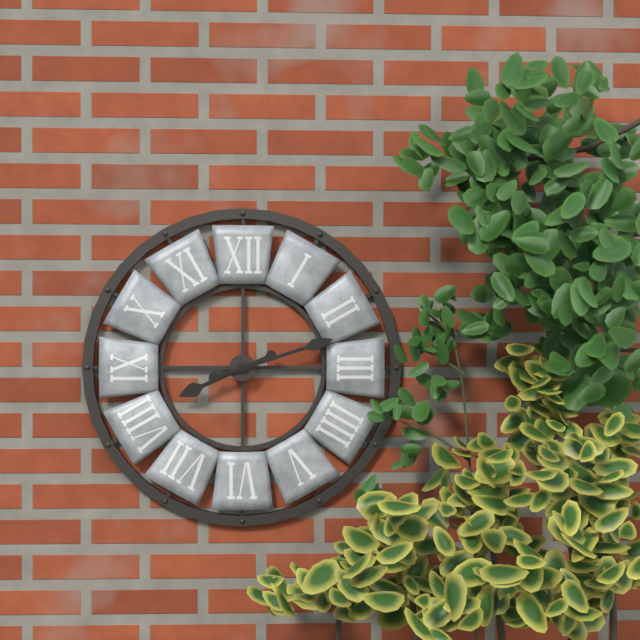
**8:12**
